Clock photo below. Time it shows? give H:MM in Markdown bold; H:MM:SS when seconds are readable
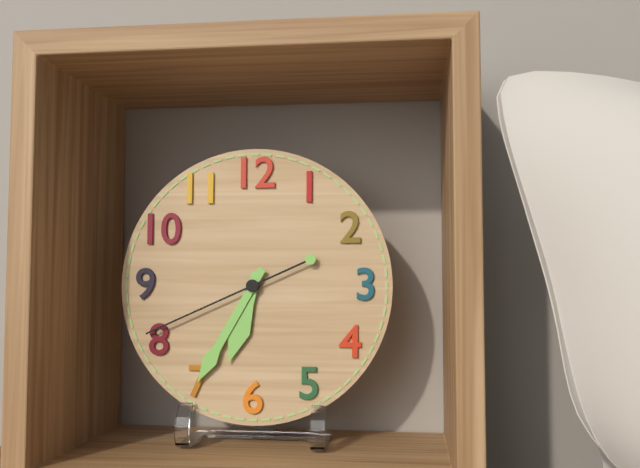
**6:35:41**
